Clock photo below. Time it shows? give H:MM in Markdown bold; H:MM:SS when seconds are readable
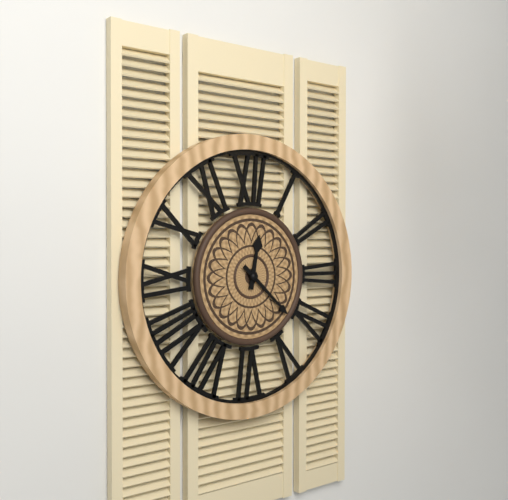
**12:22**
